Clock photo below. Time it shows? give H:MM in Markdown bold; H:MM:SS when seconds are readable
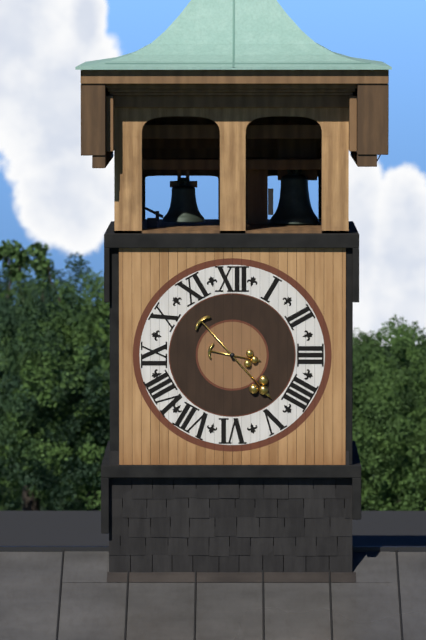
**3:23**
